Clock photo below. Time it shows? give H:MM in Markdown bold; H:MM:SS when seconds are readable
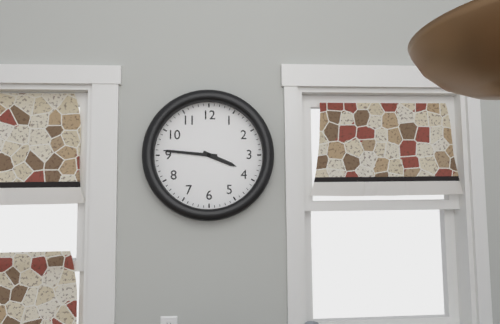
**3:46**
